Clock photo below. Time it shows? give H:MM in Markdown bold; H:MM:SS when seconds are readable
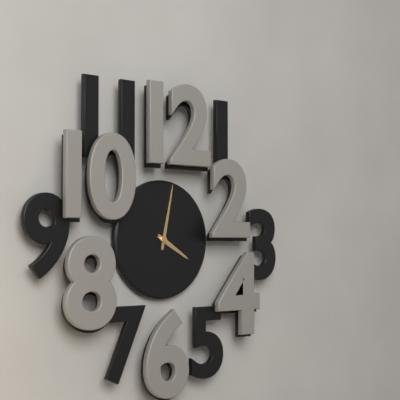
**4:02**
